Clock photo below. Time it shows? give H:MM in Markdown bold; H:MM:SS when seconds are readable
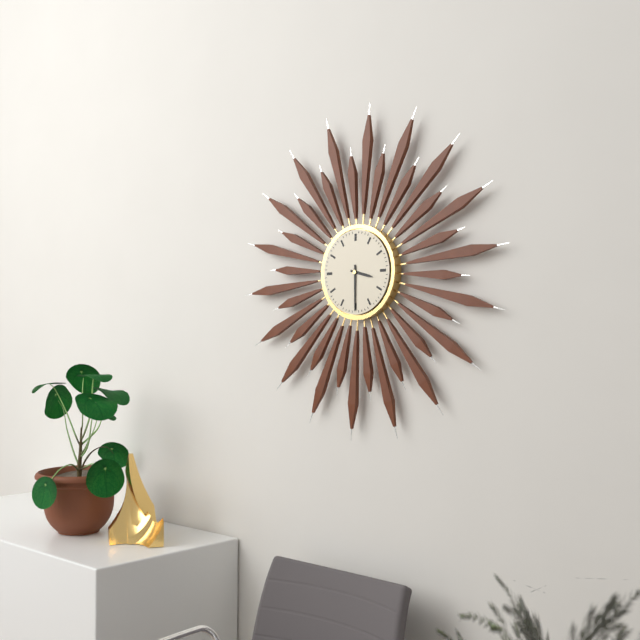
**3:30**
